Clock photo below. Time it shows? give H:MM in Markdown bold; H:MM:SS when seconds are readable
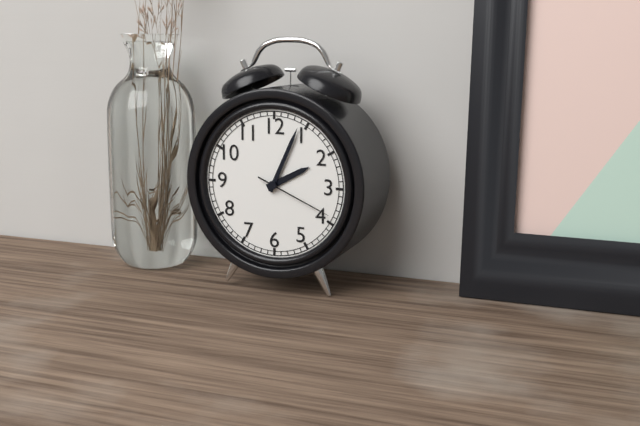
**2:04:19**
